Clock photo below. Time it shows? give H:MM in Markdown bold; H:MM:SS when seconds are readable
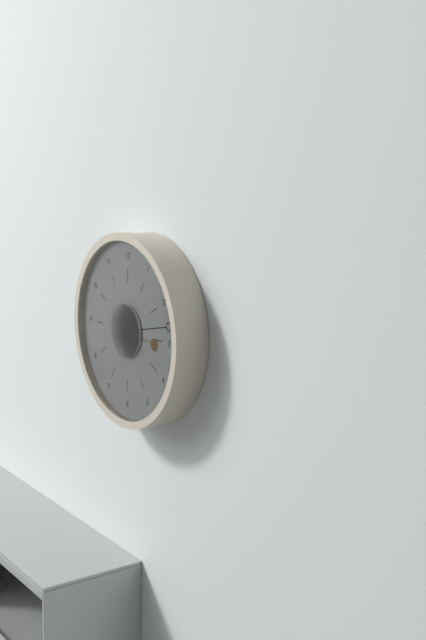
**3:13**
